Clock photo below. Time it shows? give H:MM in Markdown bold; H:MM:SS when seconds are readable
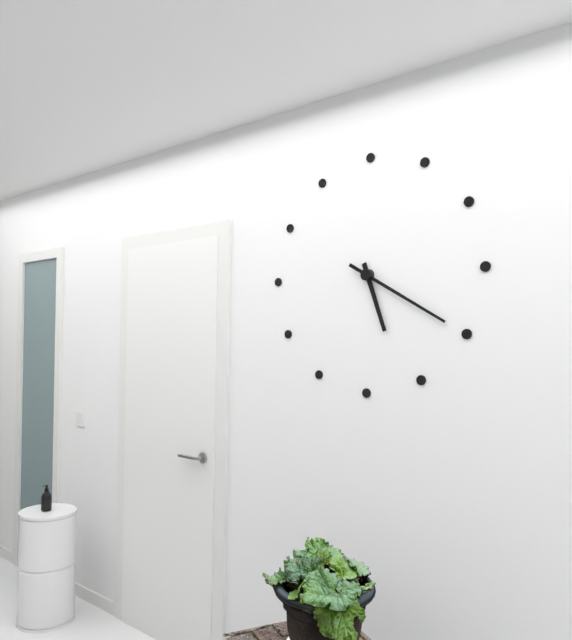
**5:20**
